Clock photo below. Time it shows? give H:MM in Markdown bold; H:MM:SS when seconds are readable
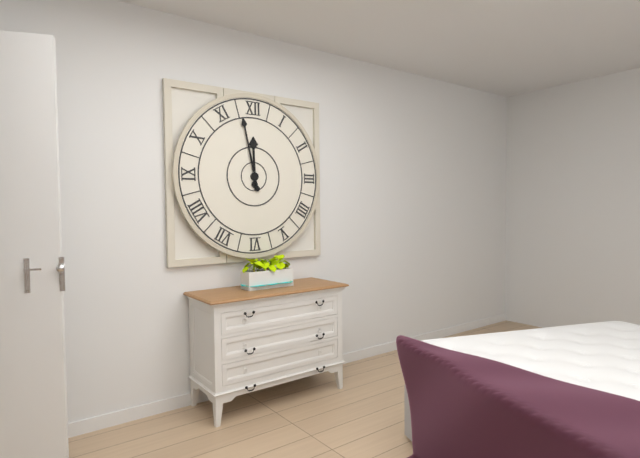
**11:58**
